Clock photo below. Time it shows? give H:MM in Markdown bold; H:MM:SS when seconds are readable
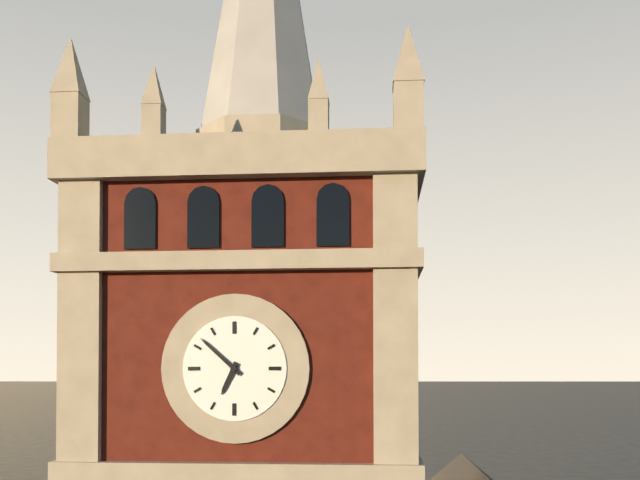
**6:52**
